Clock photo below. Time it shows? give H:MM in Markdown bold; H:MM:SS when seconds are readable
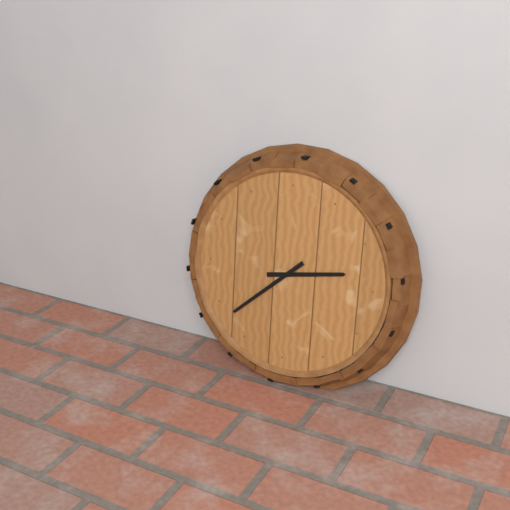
**2:38**
